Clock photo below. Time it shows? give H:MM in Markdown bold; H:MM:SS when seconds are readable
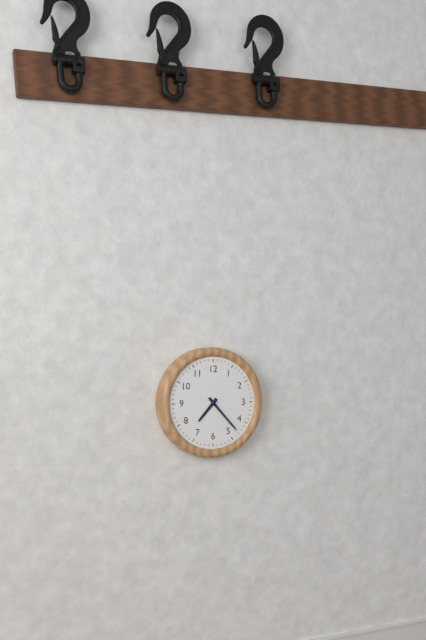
**7:23**
